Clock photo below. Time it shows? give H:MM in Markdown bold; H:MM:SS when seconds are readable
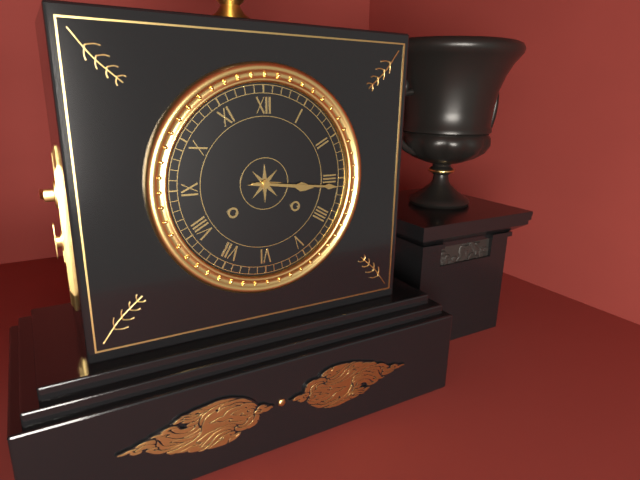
**3:16**
